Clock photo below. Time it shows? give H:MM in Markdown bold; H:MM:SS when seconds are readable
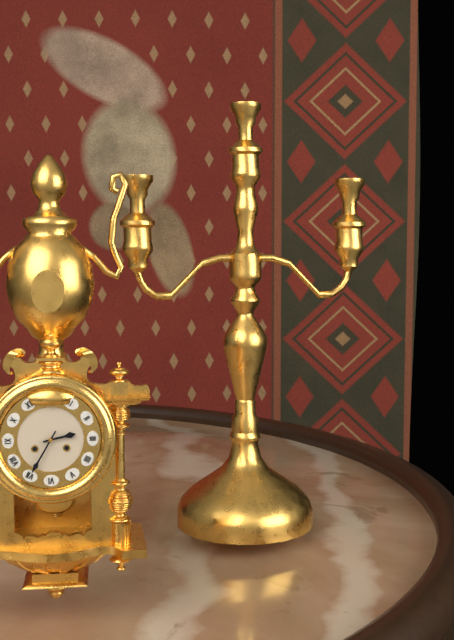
**2:35**
